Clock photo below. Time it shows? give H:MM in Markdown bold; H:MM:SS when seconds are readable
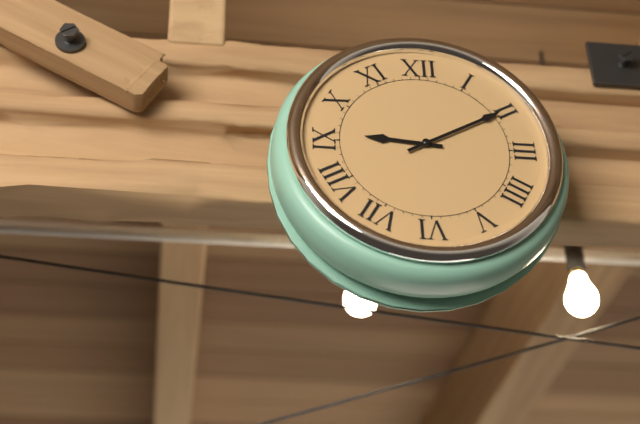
**9:10**
